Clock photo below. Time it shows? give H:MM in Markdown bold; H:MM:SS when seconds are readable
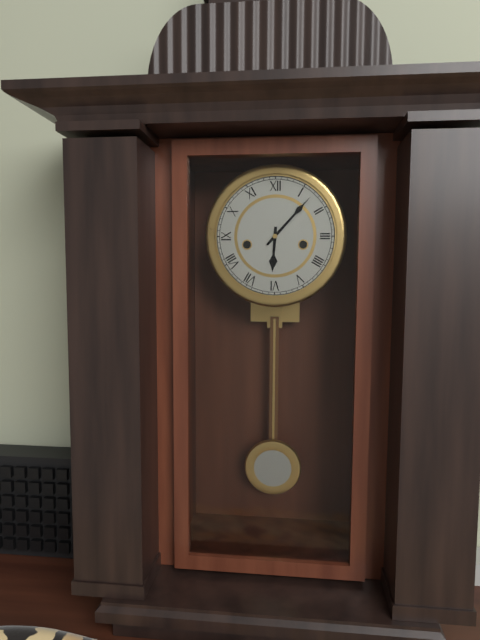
**6:07**
